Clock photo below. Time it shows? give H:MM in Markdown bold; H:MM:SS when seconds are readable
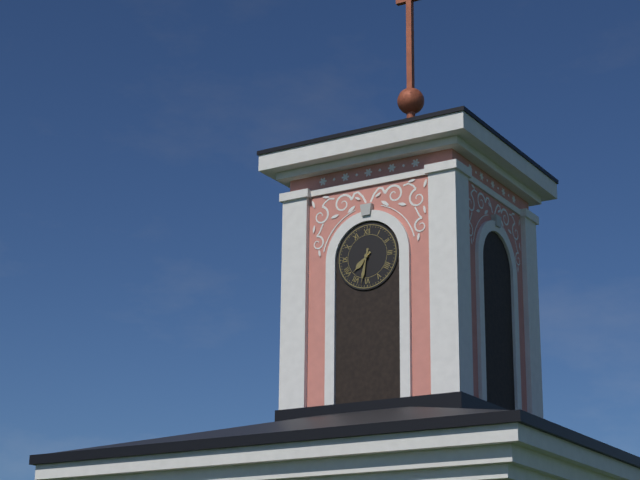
**7:32**
